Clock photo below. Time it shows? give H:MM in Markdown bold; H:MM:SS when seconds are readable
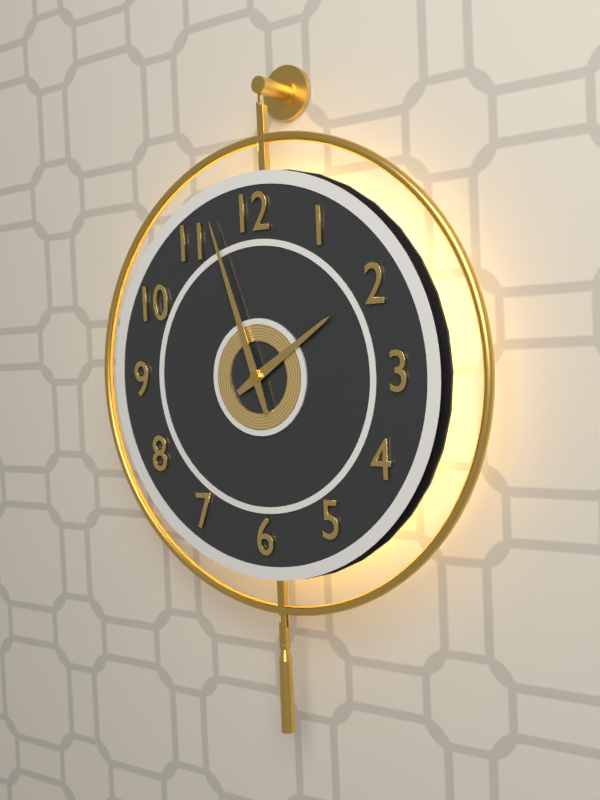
**1:57**
